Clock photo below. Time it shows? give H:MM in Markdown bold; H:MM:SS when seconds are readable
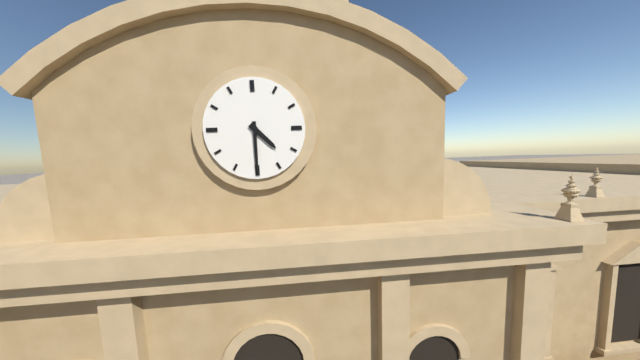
**4:30**
